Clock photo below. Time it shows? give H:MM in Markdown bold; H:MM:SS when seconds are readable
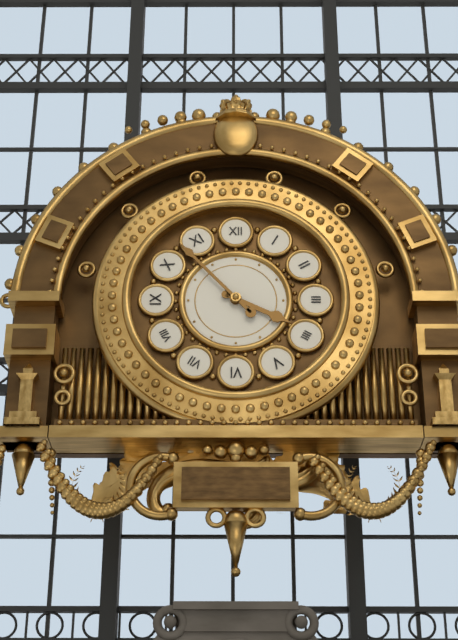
**3:53**
